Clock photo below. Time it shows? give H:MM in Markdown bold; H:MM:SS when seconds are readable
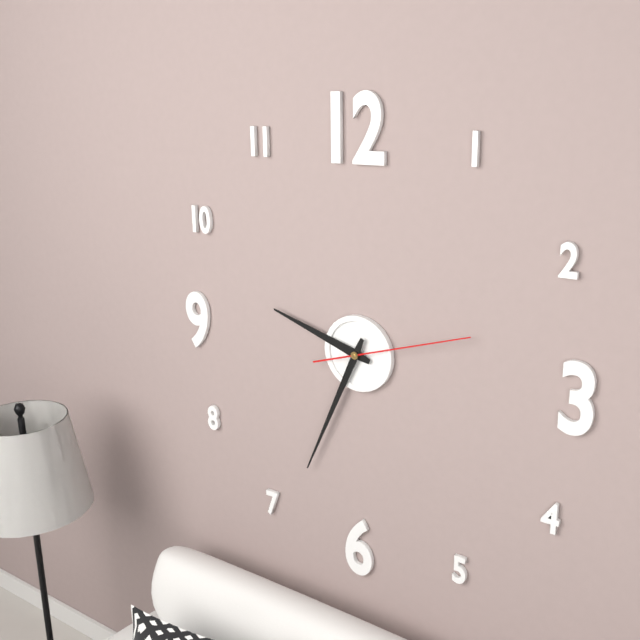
**9:34:12**
